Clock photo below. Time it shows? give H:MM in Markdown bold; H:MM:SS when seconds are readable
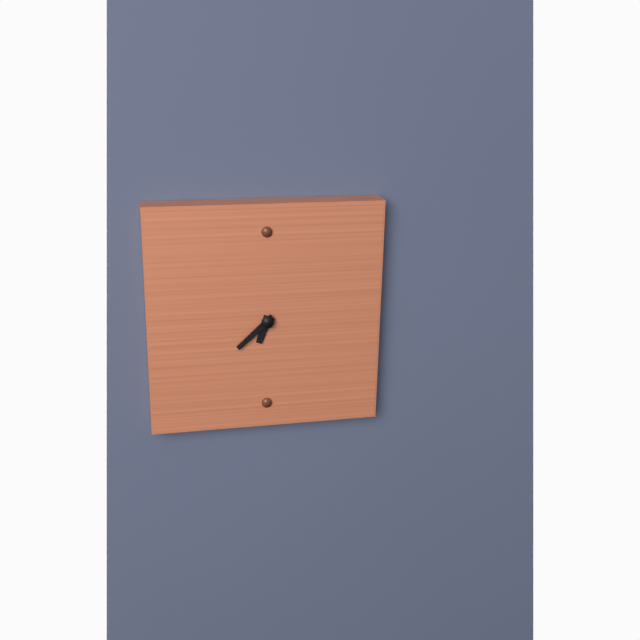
**6:38**
